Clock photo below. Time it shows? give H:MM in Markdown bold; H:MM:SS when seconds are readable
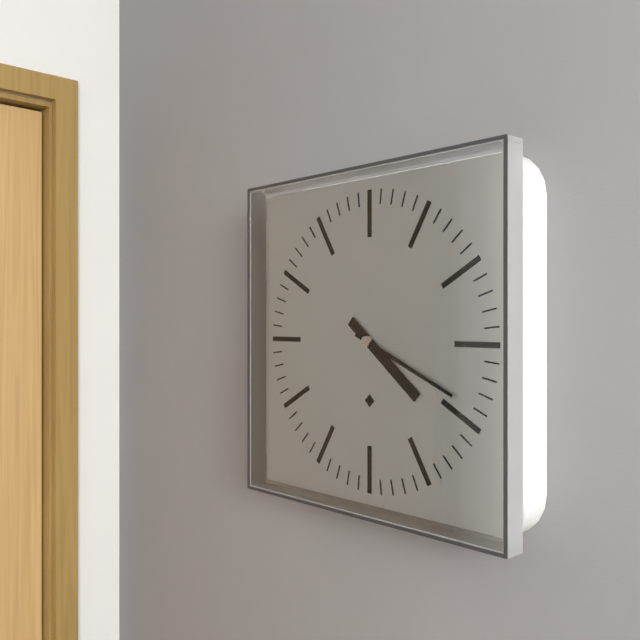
**4:19**
